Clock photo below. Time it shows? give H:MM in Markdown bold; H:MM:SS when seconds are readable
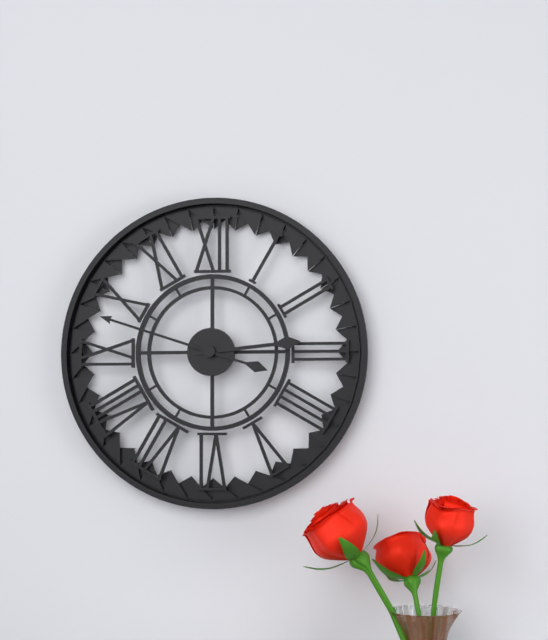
**2:48**
